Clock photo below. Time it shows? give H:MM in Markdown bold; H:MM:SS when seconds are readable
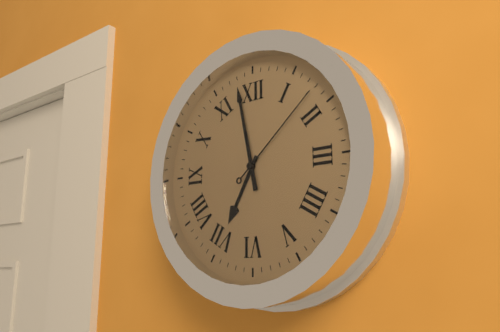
**6:58:08**
